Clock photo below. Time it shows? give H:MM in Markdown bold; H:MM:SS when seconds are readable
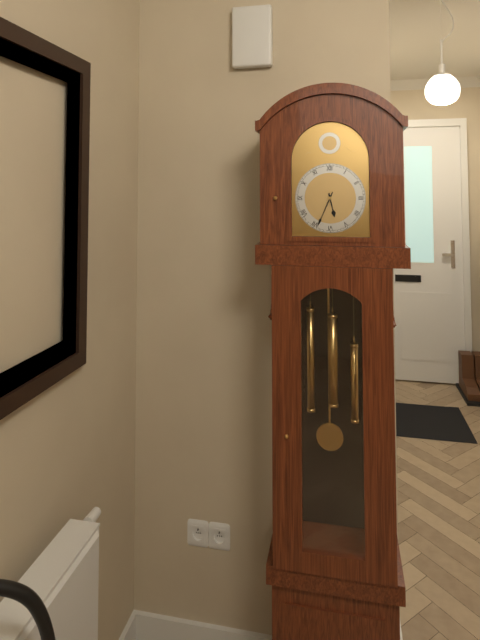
**5:34**
